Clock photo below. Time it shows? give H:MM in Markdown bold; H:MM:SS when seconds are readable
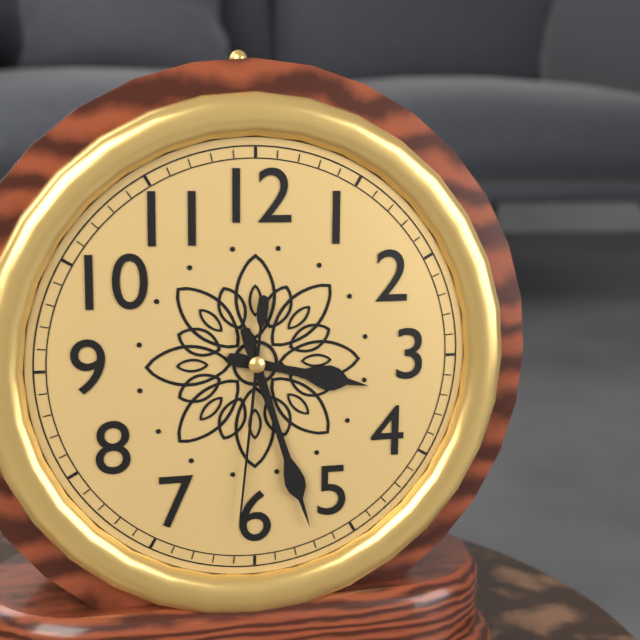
**3:27:31**
